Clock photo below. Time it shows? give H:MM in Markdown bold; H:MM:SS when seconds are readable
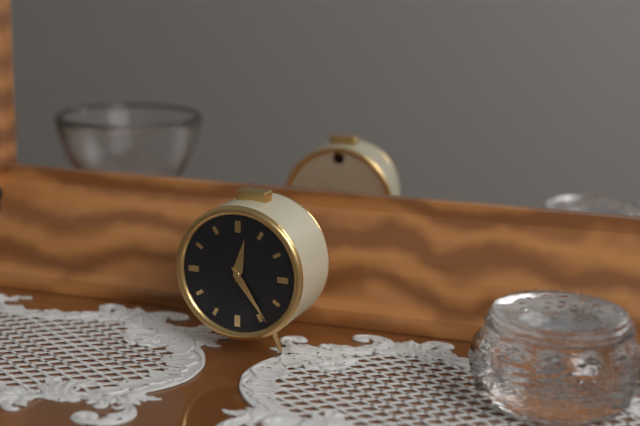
**12:24**
